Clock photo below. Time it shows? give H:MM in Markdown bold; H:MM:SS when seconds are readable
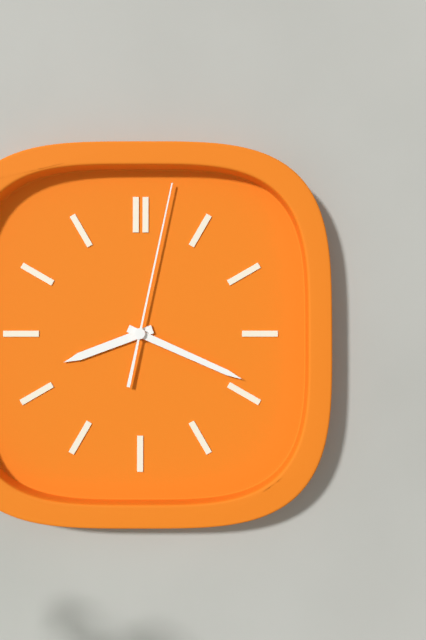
**8:19:02**
